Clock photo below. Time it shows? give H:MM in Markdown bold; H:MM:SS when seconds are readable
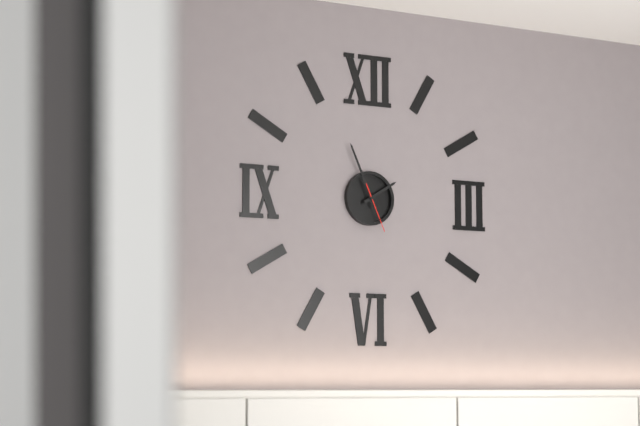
**1:56**
